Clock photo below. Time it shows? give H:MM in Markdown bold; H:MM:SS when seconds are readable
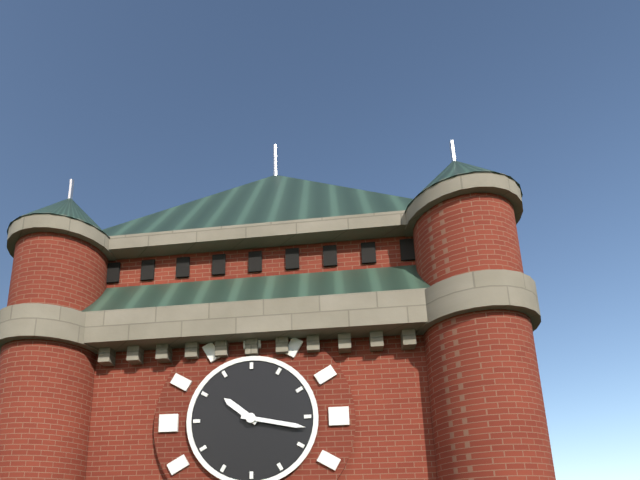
**10:17**
